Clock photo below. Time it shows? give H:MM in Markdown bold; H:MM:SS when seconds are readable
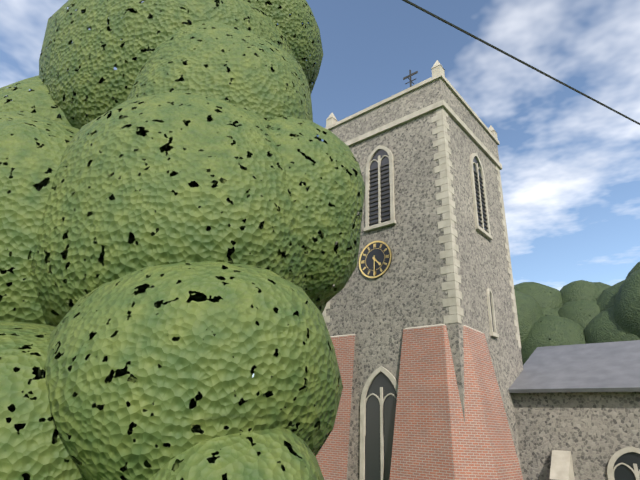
**4:30**
